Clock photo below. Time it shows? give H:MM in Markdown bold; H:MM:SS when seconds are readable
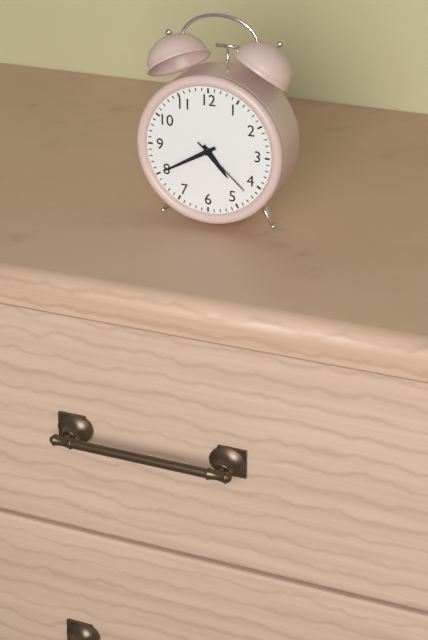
**4:40:22**
